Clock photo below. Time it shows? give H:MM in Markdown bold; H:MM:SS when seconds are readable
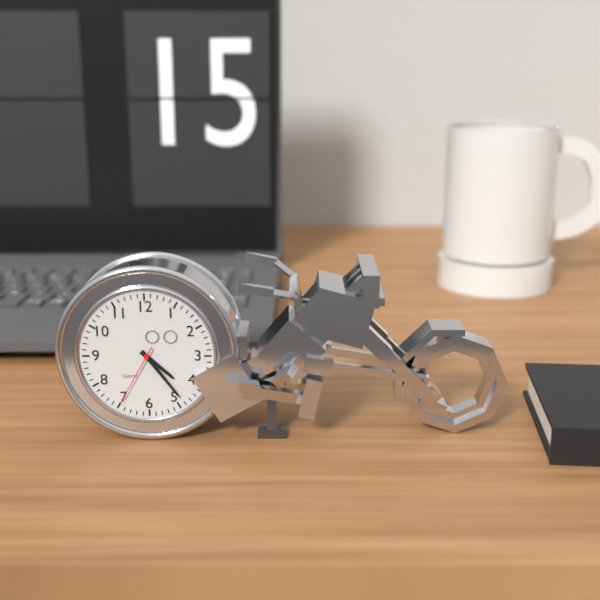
**4:24:35**
